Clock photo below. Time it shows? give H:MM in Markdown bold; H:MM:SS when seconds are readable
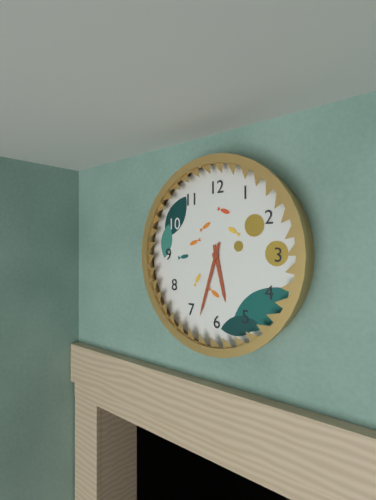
**5:33**
